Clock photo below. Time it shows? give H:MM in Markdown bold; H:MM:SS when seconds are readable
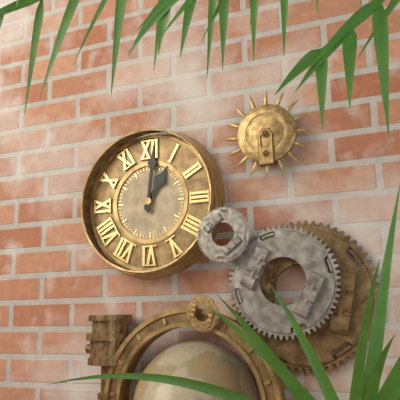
**1:01**
